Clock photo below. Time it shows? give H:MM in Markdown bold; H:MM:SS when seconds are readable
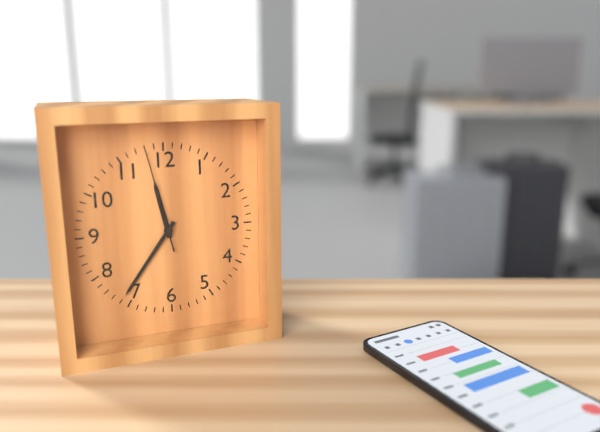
**11:36:58**
